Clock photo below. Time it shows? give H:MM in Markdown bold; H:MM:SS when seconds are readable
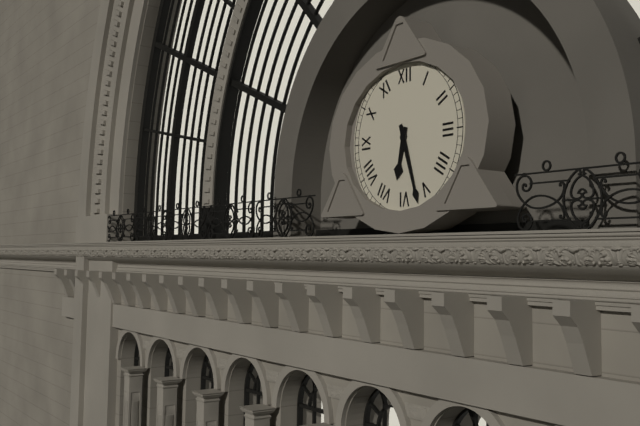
**6:27**
